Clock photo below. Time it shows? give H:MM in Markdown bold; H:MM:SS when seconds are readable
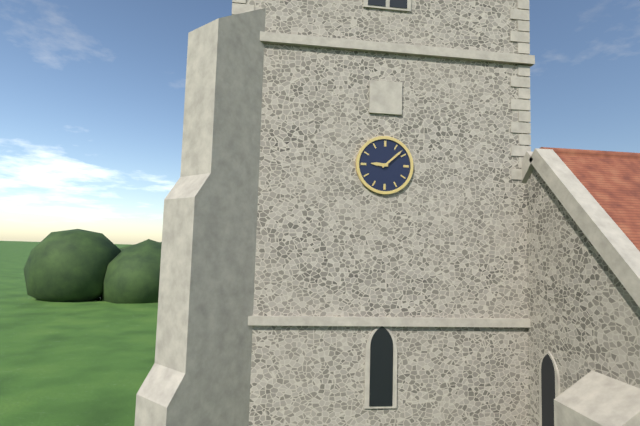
**9:08**
